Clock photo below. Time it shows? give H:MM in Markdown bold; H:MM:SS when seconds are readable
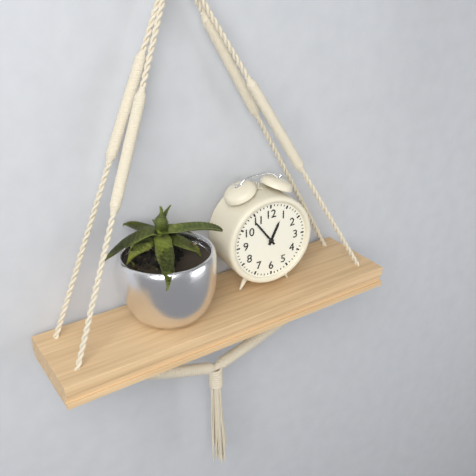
**12:54**
